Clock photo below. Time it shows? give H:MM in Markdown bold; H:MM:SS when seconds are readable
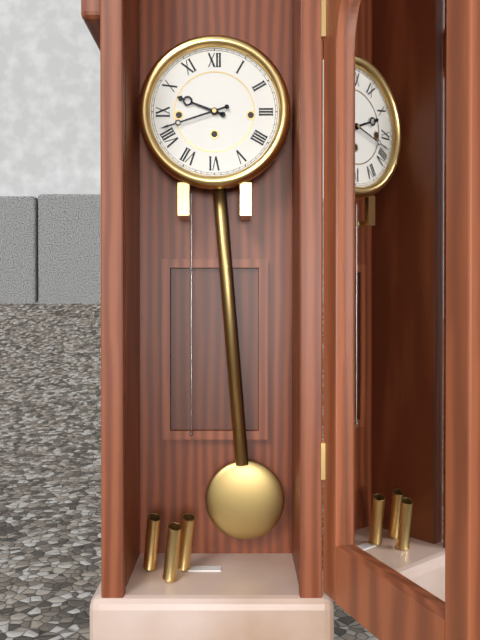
**9:42**
